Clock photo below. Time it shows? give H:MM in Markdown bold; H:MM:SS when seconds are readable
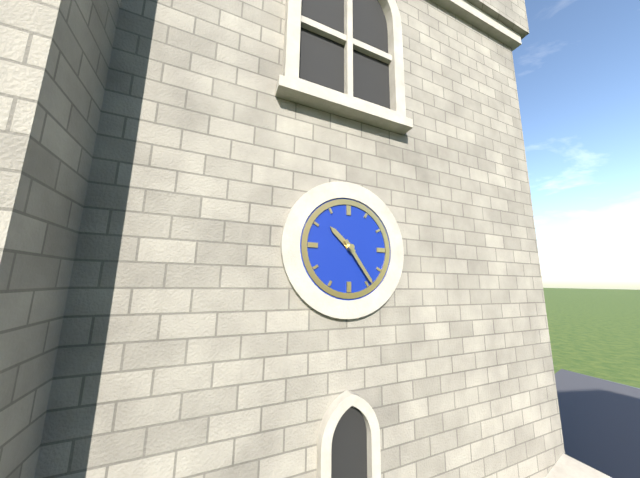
**10:24**
